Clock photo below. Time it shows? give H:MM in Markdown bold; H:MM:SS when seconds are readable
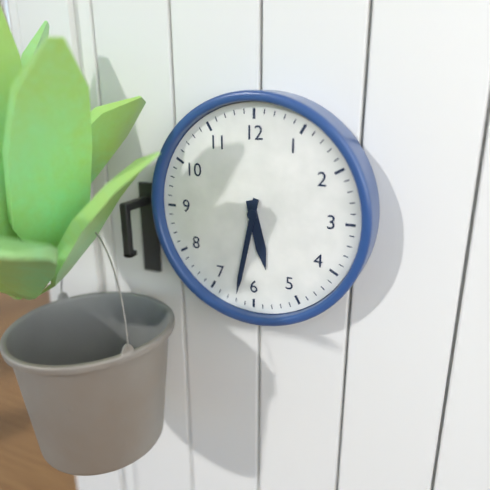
**5:32**
